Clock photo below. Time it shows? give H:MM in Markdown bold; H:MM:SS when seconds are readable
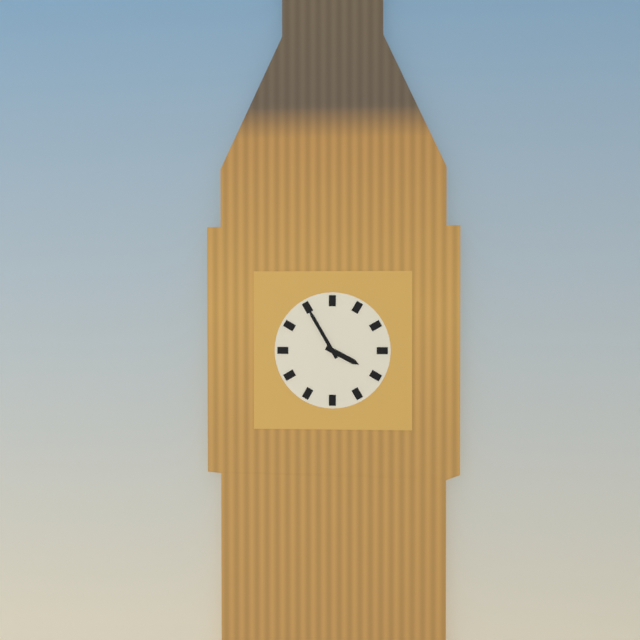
**3:55**
